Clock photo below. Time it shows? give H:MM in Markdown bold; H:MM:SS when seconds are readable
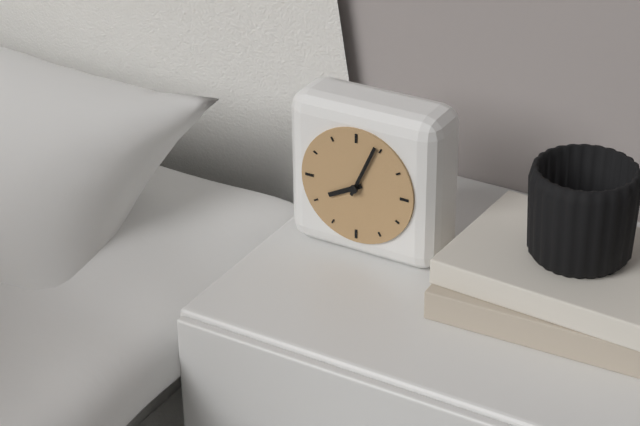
**8:04**
